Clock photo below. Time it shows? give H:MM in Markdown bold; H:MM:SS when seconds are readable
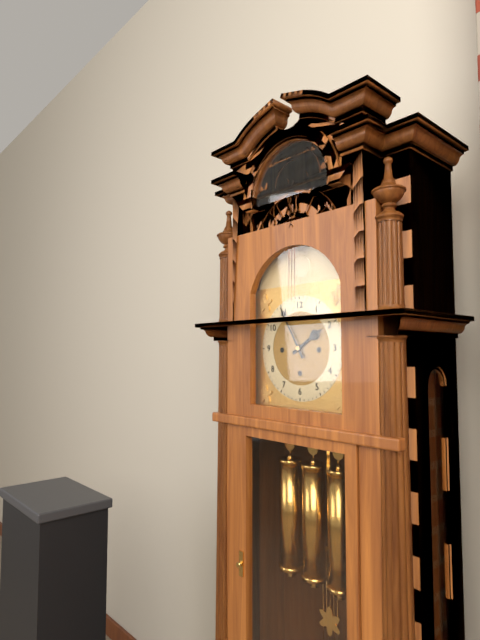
**1:55**
